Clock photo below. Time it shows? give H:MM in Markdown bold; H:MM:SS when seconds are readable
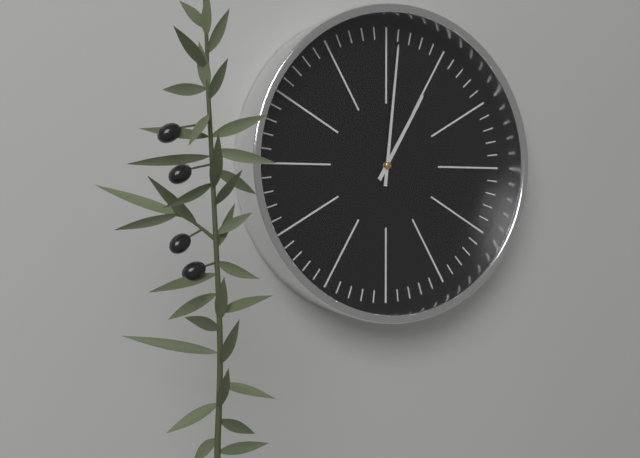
**1:01**
